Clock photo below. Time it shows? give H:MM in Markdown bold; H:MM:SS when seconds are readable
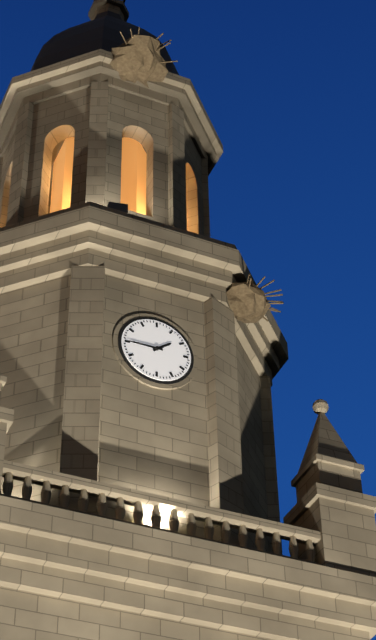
**1:45**
